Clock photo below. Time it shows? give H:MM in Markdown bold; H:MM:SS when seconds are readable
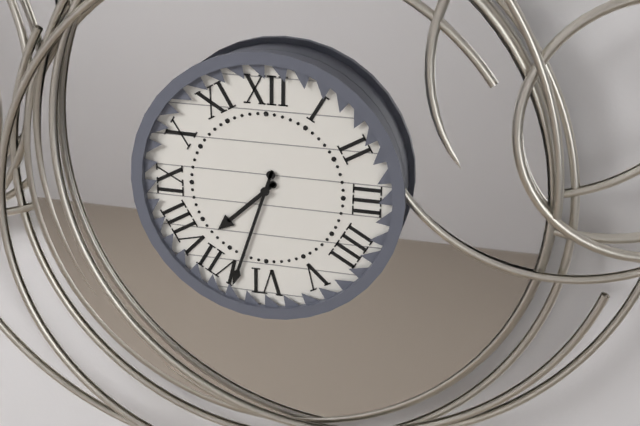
**7:33**
